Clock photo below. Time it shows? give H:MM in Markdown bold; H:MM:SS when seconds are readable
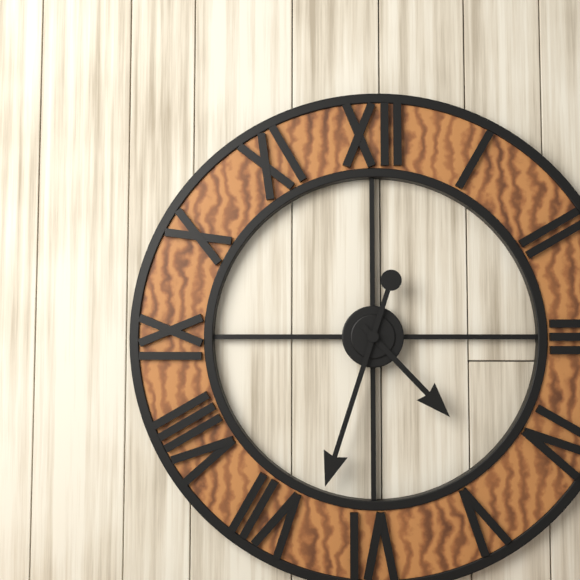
**4:33**
